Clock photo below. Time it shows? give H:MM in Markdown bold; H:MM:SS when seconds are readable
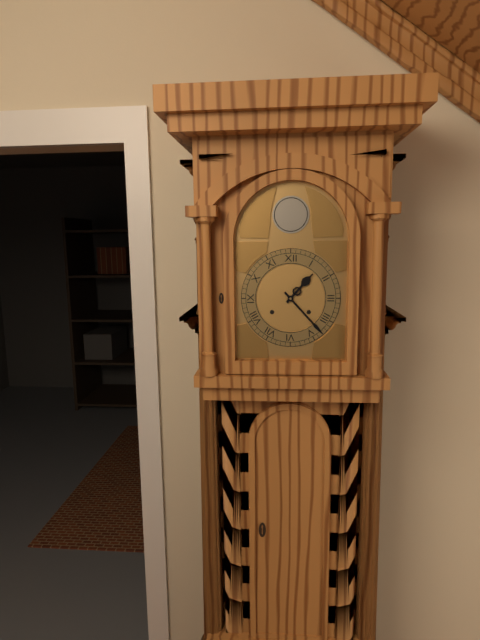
**1:23**
